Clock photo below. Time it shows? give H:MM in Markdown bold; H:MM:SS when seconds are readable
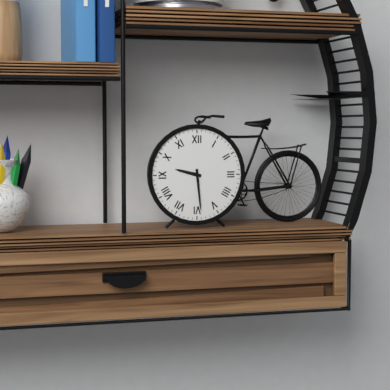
**9:29**
